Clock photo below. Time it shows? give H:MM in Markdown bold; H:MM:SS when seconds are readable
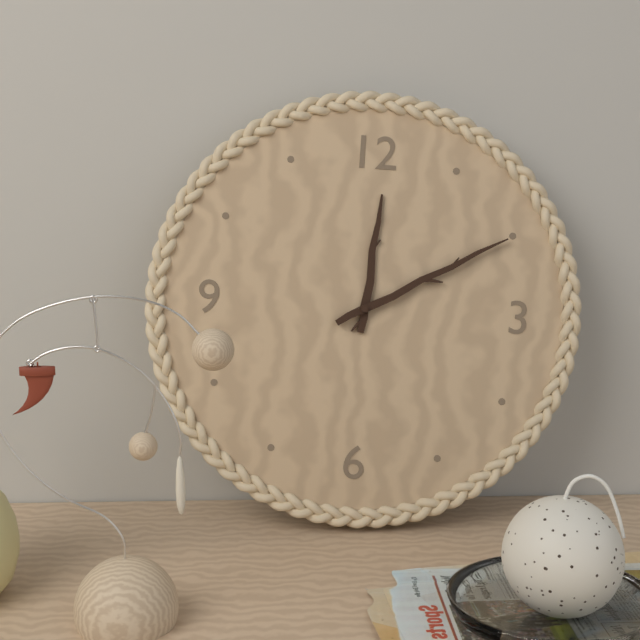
**12:10**
